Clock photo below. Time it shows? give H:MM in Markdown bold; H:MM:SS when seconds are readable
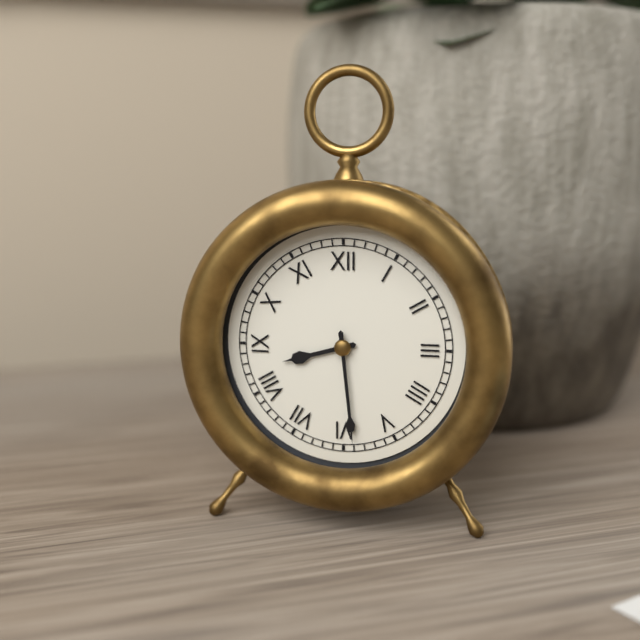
**8:29**
